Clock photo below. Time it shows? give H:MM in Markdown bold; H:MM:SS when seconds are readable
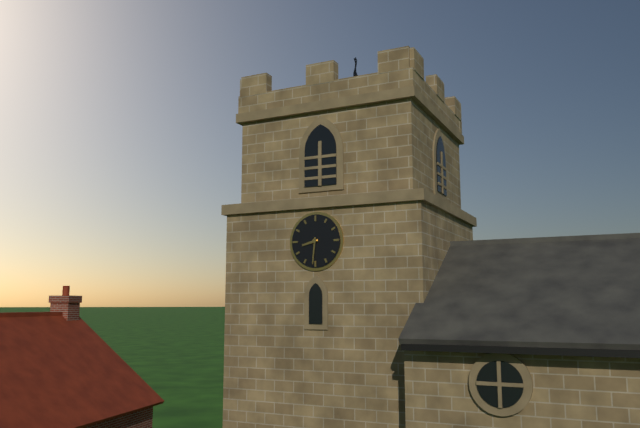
**8:31**
